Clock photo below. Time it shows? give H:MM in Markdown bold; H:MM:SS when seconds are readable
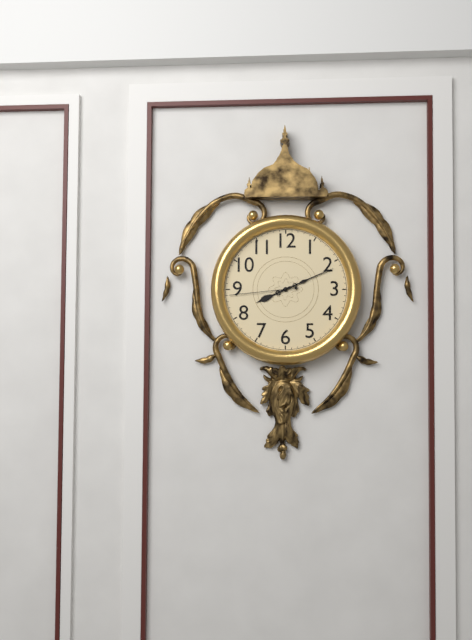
**8:11:44**
